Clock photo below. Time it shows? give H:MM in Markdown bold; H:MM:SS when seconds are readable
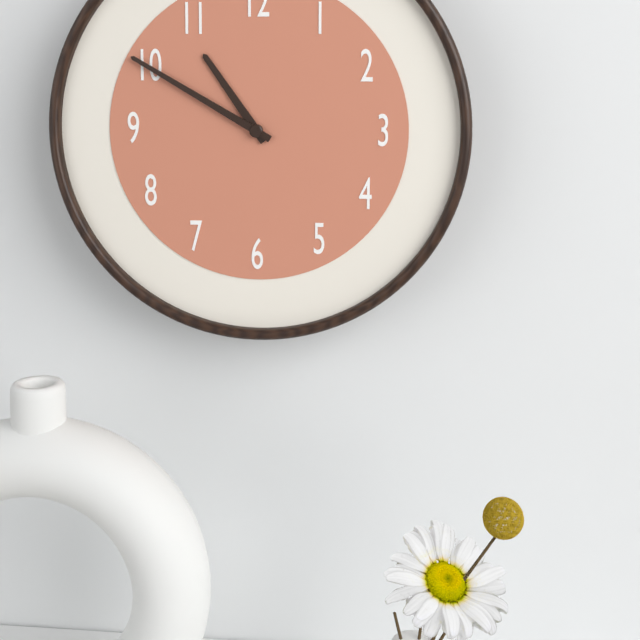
**10:50**
